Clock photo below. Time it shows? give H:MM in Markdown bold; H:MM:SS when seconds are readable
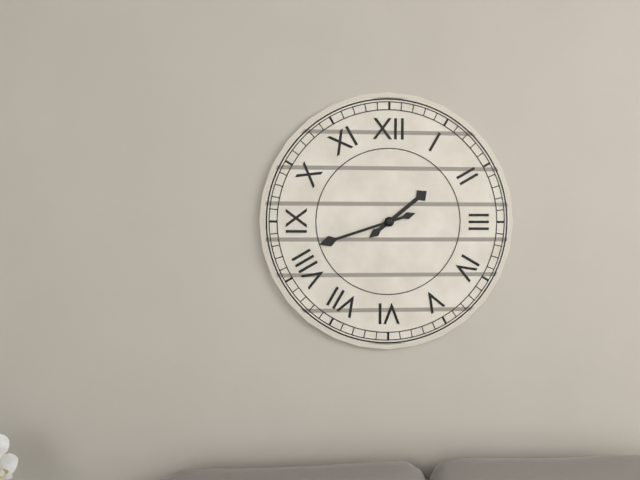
**1:42**
